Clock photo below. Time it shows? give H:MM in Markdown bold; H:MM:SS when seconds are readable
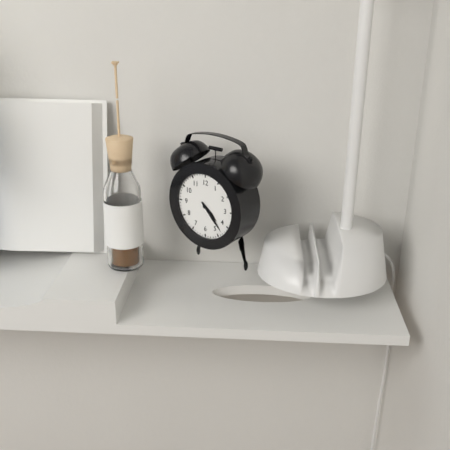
**4:23**
